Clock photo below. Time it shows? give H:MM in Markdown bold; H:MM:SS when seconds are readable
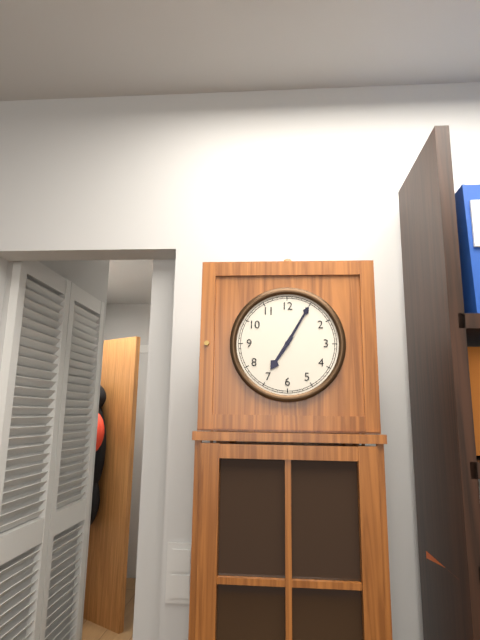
**7:05**
